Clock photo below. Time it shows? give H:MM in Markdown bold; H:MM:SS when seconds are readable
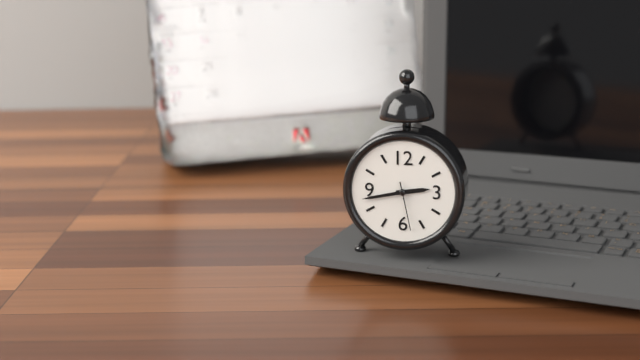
**2:43**
